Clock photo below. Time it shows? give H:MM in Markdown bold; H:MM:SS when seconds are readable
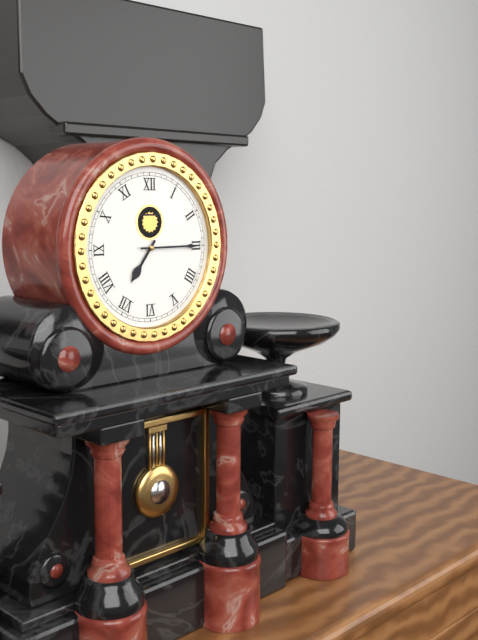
**7:15**
